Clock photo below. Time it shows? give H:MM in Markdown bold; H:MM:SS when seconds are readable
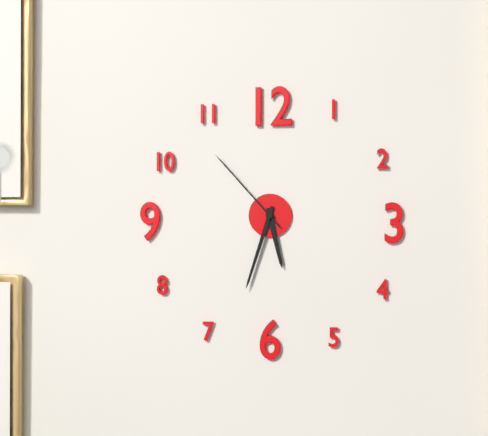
**5:33:53**
